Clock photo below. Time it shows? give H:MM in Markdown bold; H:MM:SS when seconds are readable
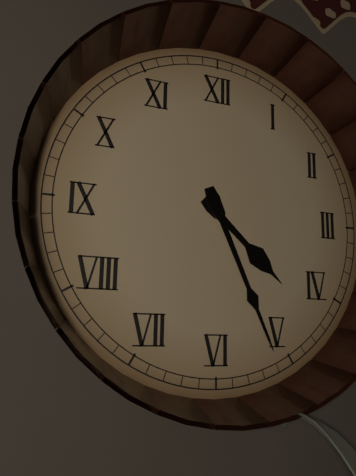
**4:26**
